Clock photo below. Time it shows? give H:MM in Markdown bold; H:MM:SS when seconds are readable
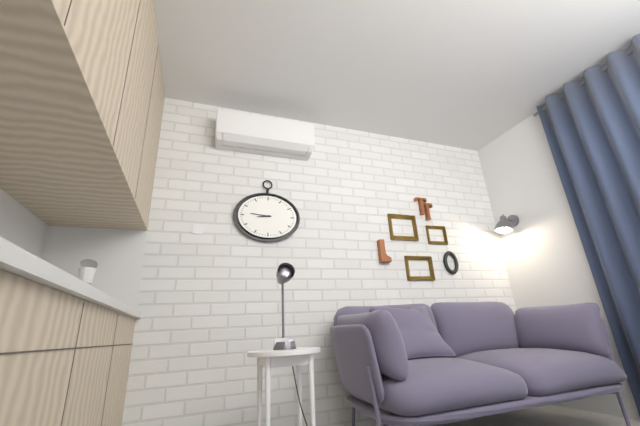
**8:46**
